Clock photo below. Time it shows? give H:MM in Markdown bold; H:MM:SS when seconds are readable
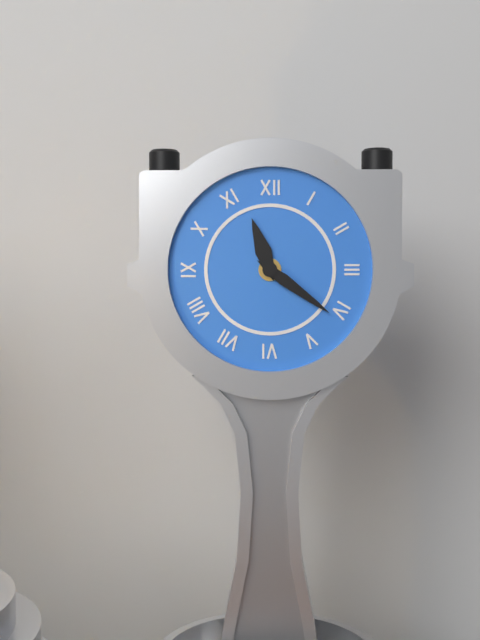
**11:21**
